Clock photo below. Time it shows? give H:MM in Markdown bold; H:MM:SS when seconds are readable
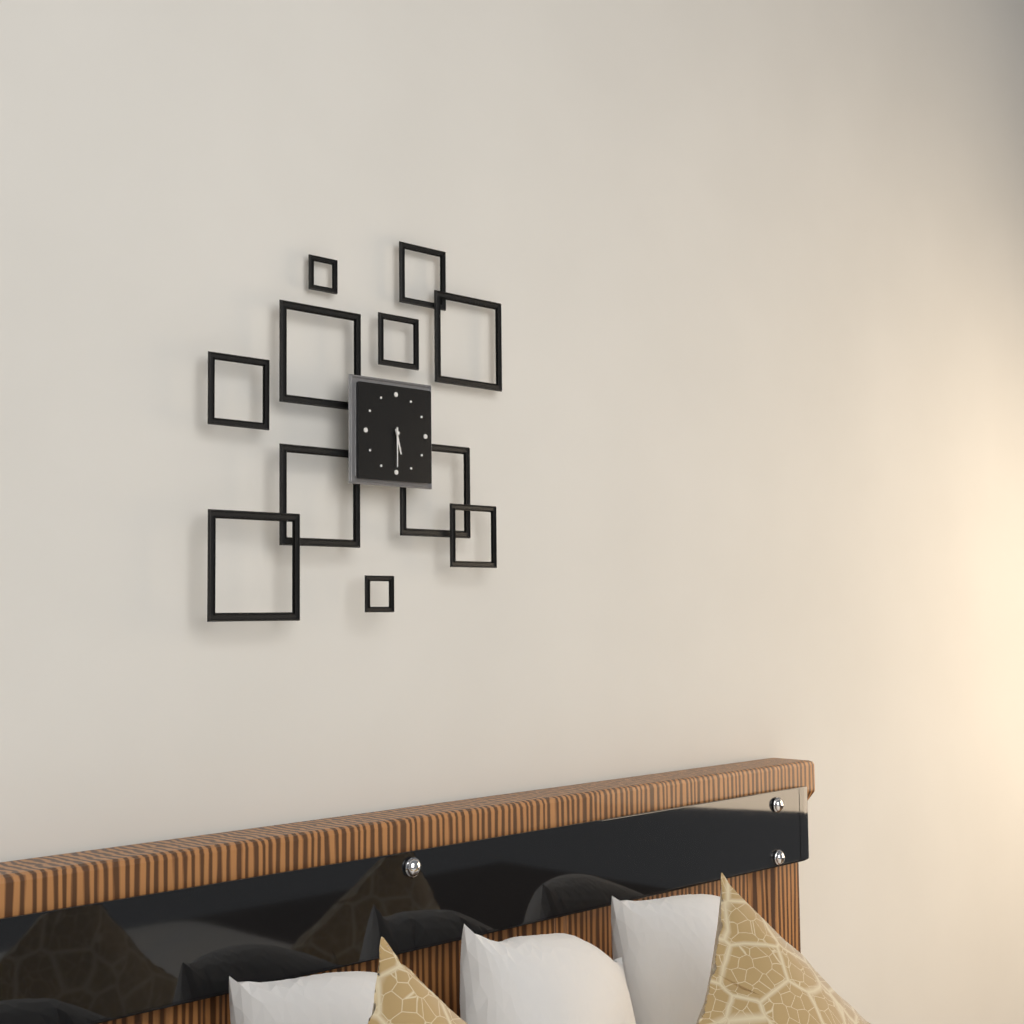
**5:30**
